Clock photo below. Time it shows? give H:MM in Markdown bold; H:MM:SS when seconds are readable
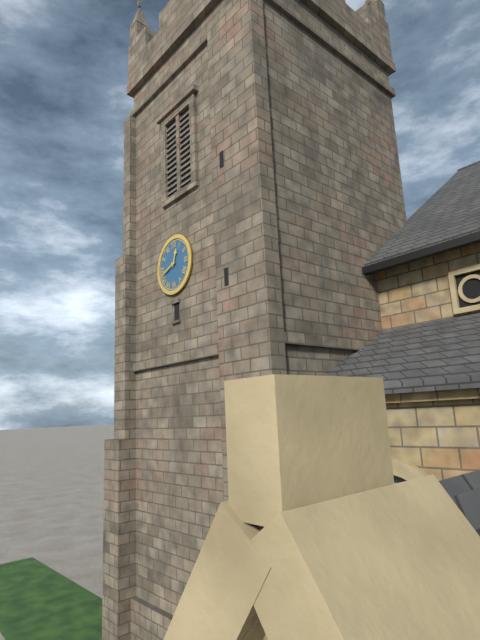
**12:42**
